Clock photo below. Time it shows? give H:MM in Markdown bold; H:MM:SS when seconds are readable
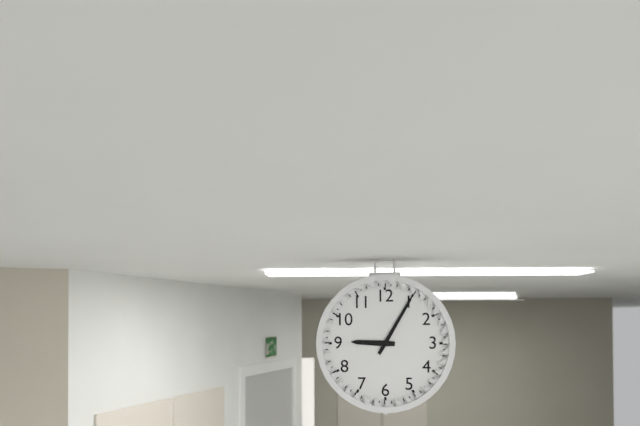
**9:05**
